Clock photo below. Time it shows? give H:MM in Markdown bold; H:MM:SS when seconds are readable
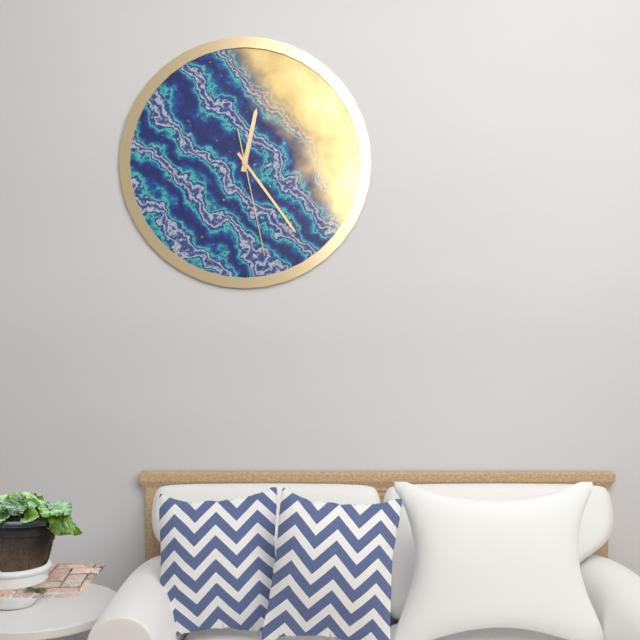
**12:24:28**
